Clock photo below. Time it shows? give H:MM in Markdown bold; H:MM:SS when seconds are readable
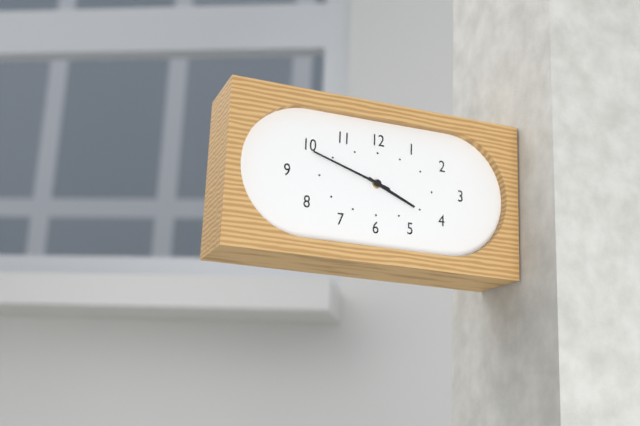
**3:48**
